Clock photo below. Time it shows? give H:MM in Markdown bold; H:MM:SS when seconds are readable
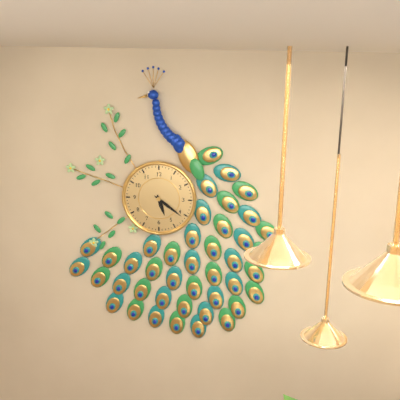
**5:21**
